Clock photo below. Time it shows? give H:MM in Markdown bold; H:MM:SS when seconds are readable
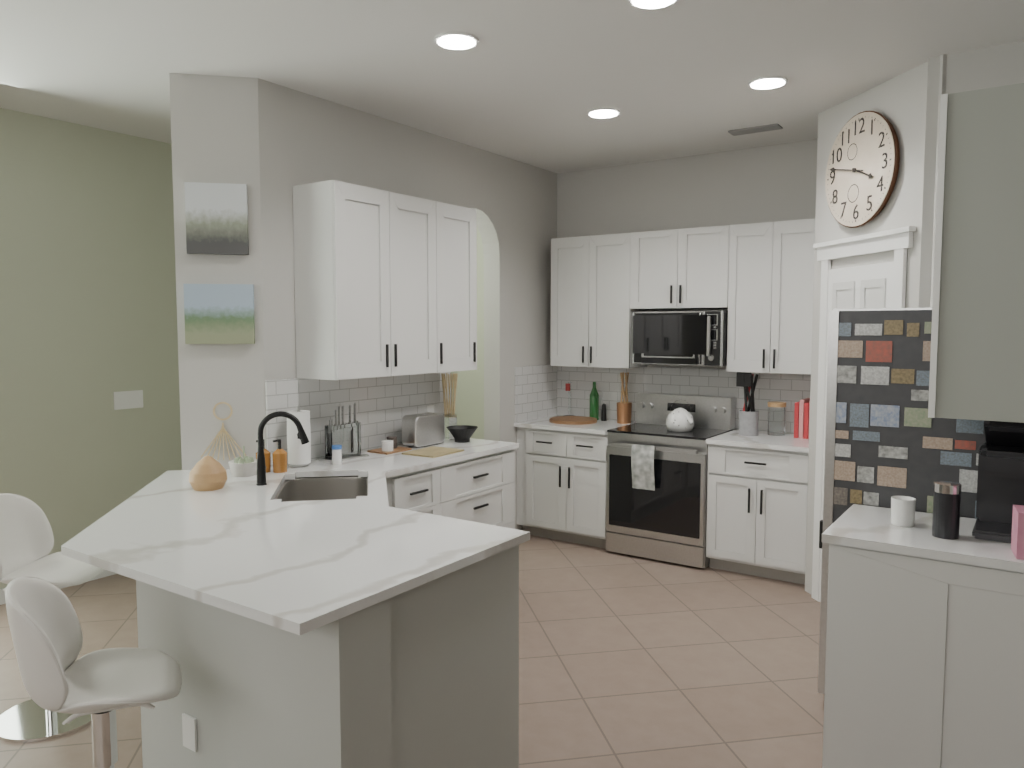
**3:47**
